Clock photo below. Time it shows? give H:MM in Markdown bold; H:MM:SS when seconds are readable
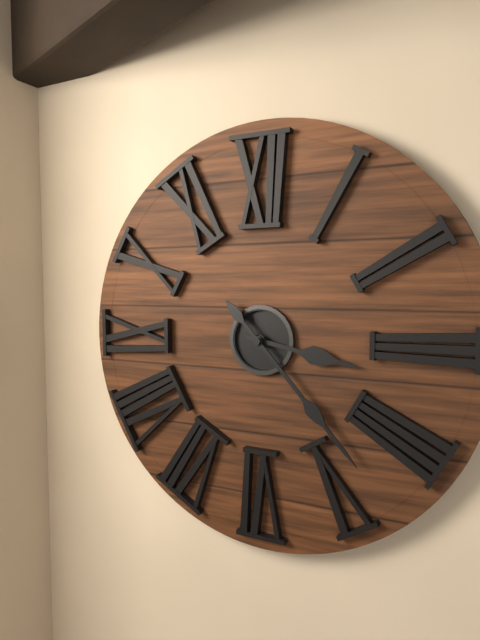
**3:23**
